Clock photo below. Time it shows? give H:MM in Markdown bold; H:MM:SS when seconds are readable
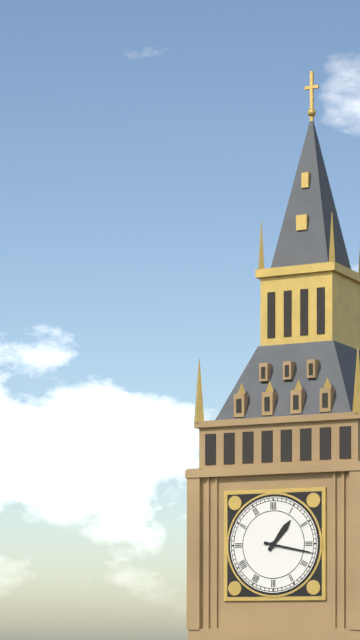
**1:17**
